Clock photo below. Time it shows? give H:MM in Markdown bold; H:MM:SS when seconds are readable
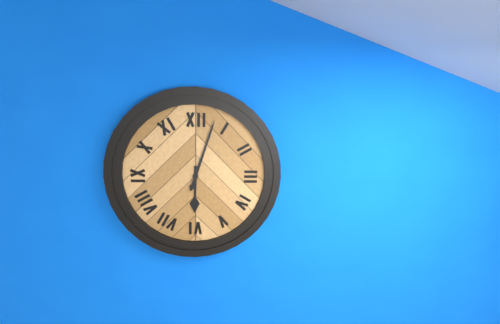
**6:03**
